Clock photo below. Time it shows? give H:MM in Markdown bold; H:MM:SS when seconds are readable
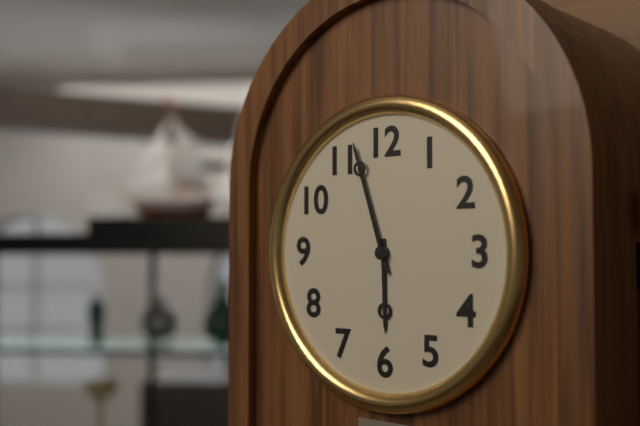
**5:57**
